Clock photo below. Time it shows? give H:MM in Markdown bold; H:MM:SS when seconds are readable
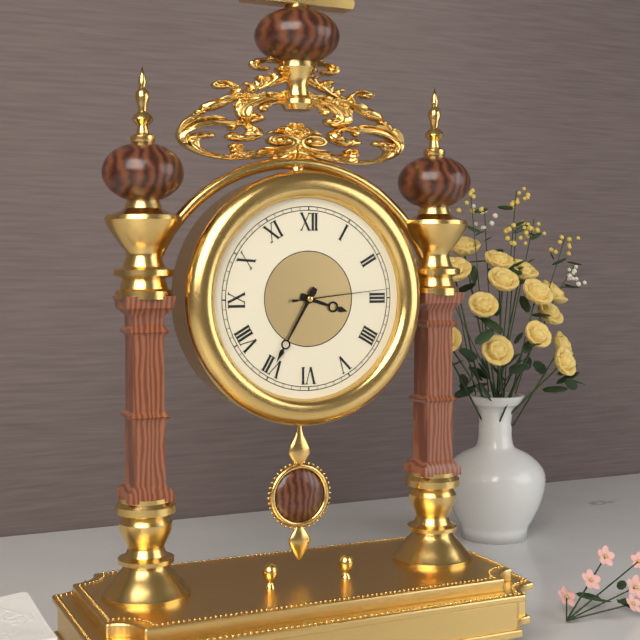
**3:35:14**
